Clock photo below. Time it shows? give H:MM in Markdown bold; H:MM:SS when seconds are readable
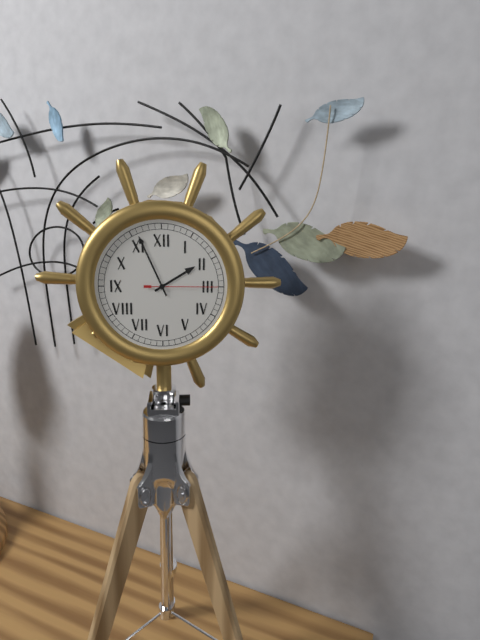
**1:56:15**
